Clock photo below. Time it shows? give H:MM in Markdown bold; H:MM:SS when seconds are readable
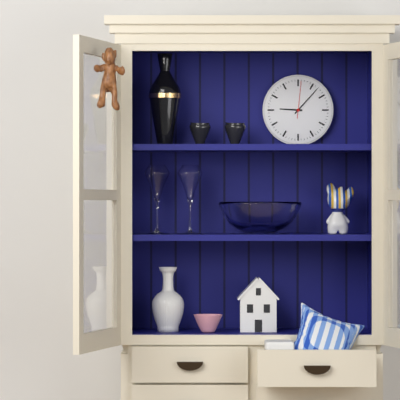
**9:07**
